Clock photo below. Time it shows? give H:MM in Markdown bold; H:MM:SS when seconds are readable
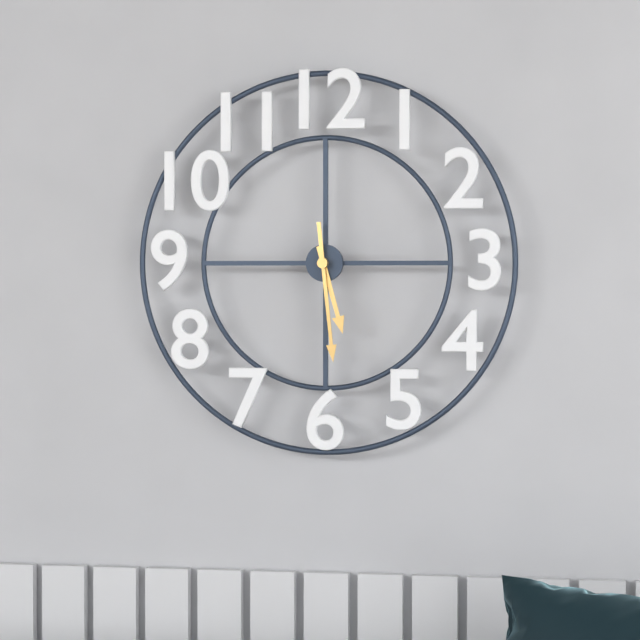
**5:29**
